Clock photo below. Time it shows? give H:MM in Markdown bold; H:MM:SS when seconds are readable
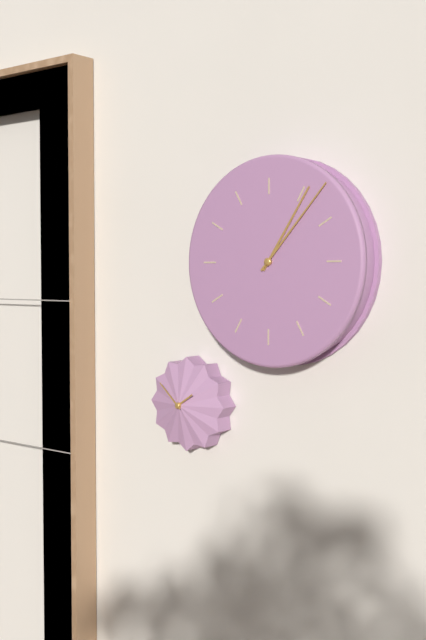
**1:07**
